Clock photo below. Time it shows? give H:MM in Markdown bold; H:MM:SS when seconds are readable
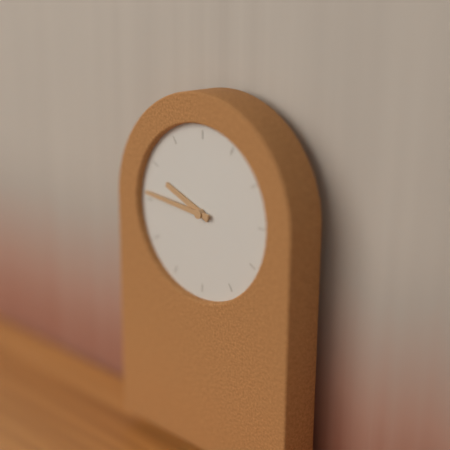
**9:46**
